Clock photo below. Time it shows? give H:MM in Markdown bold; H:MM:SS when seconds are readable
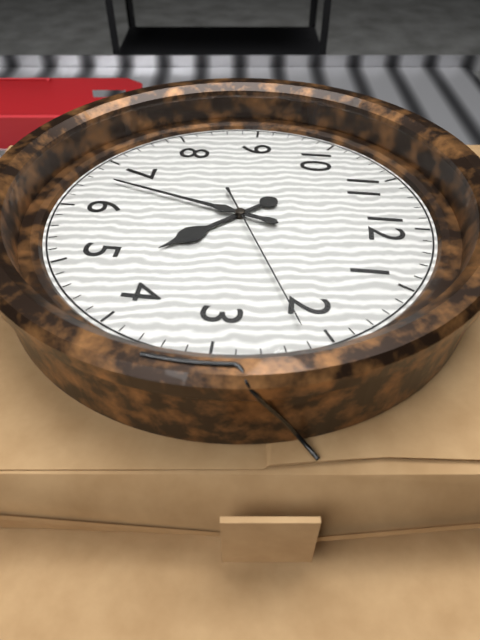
**4:33:11**
